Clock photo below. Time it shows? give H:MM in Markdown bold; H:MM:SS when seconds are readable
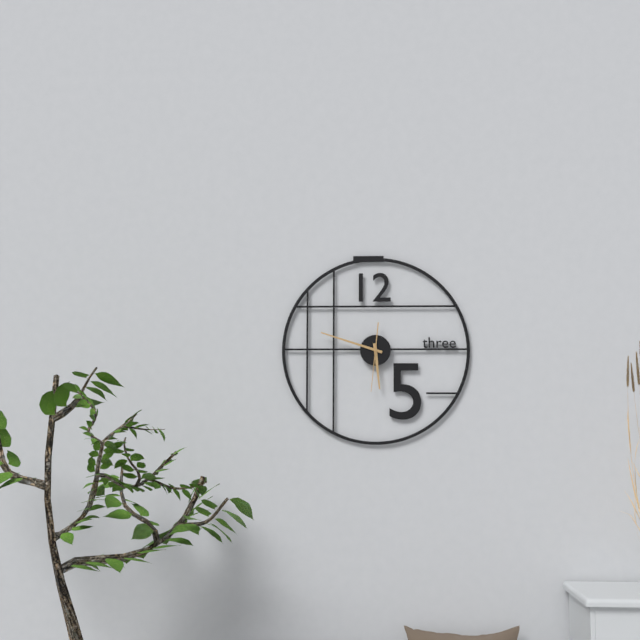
**5:48:31**
